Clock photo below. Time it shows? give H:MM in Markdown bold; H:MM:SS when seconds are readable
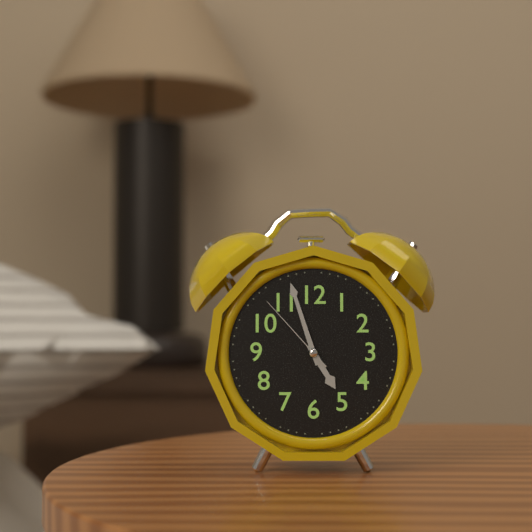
**4:57:53**
